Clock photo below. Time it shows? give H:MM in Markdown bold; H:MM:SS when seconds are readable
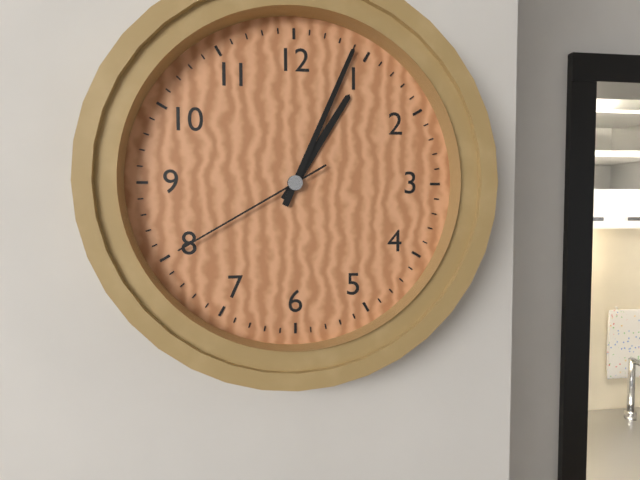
**1:04:40**
